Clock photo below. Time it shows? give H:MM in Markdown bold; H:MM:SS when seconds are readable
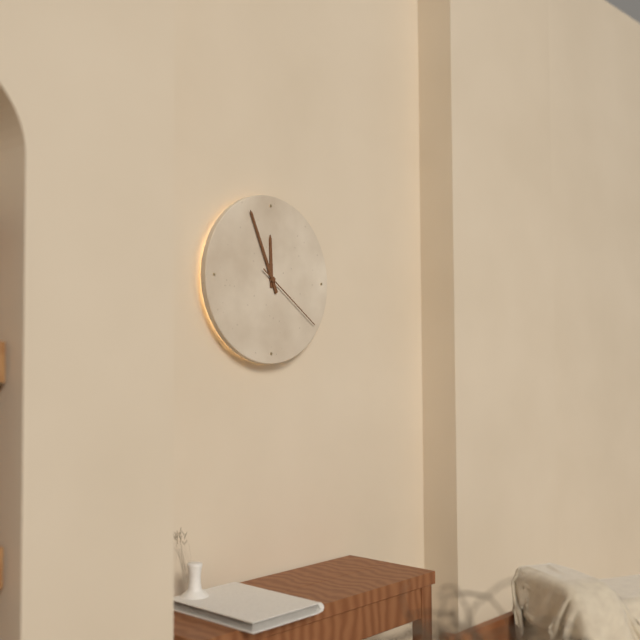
**11:56:21**
